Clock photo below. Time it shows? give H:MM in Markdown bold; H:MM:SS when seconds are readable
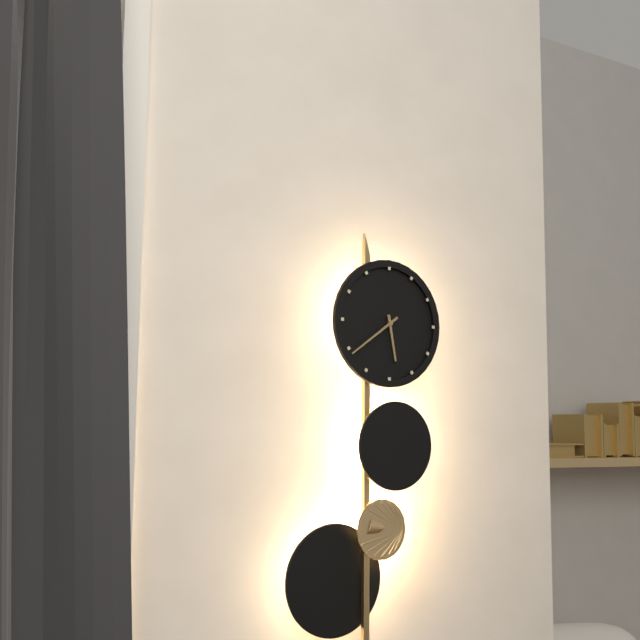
**5:39**
